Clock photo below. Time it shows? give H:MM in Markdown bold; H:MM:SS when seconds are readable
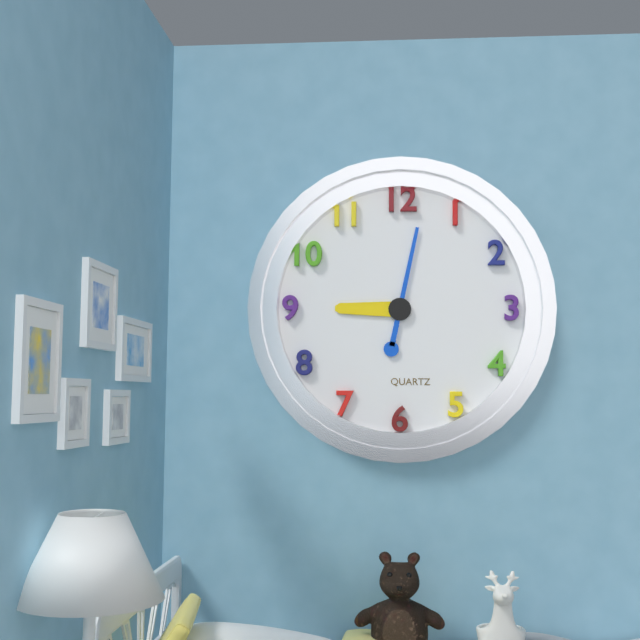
**9:02**
